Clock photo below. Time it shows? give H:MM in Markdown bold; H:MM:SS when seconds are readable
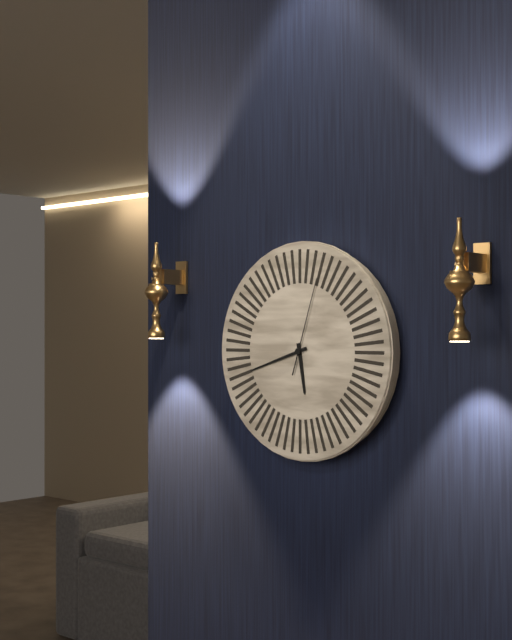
**5:42:03**
